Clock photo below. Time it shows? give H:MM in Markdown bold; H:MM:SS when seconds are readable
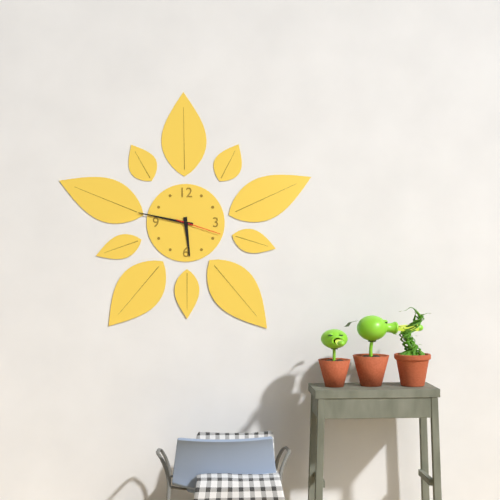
**5:47**
